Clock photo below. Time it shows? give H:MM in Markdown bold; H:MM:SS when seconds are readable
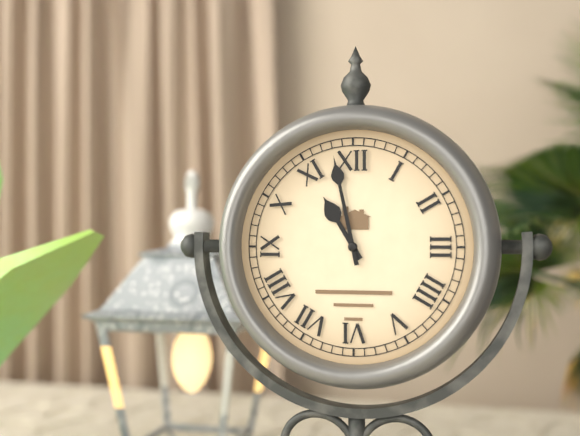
**10:58**
